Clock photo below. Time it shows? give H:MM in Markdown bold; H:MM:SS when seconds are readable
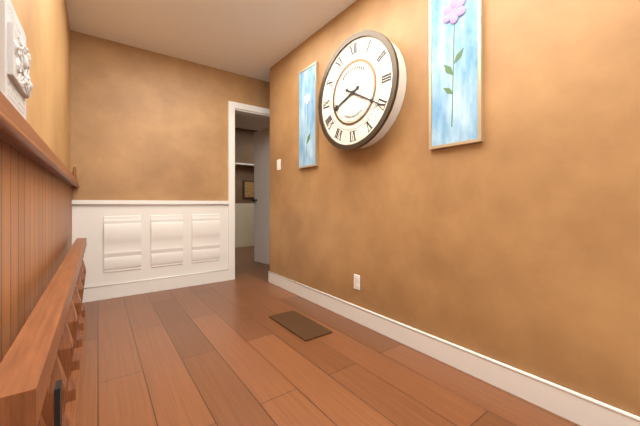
**8:20**
